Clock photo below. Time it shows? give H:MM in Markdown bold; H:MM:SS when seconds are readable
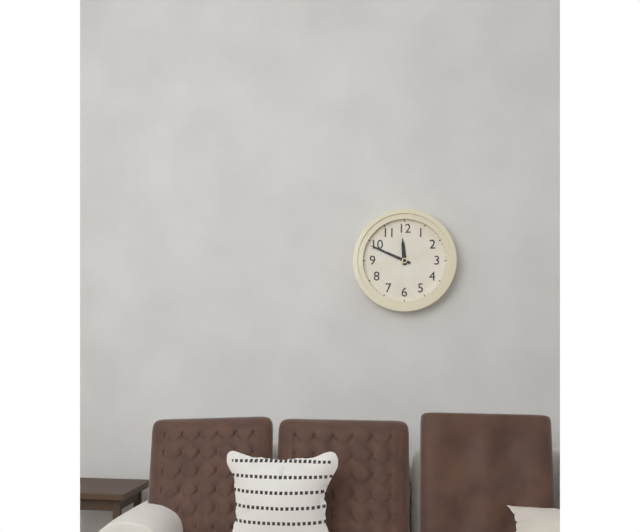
**11:49**
